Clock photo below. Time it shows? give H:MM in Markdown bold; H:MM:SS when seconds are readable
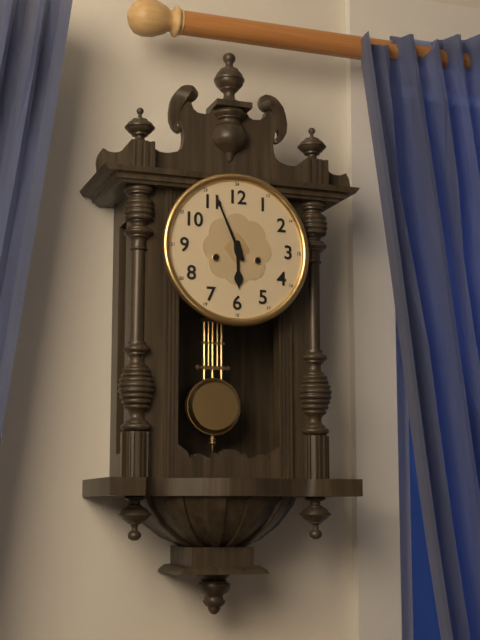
**5:56**
